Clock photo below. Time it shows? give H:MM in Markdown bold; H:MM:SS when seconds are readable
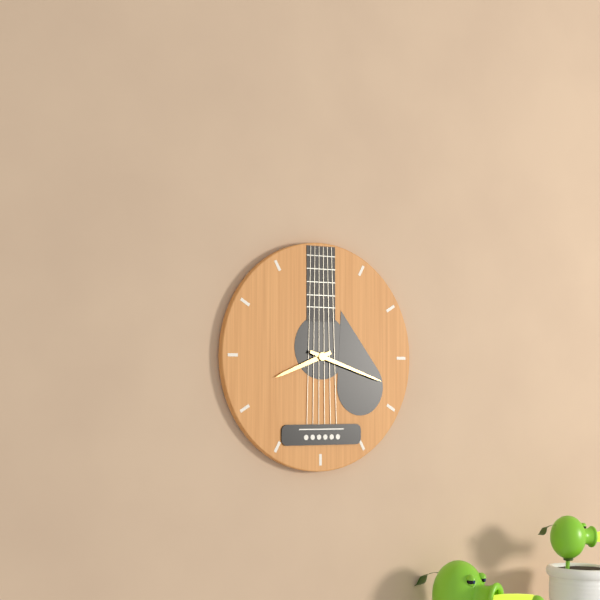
**8:18**
